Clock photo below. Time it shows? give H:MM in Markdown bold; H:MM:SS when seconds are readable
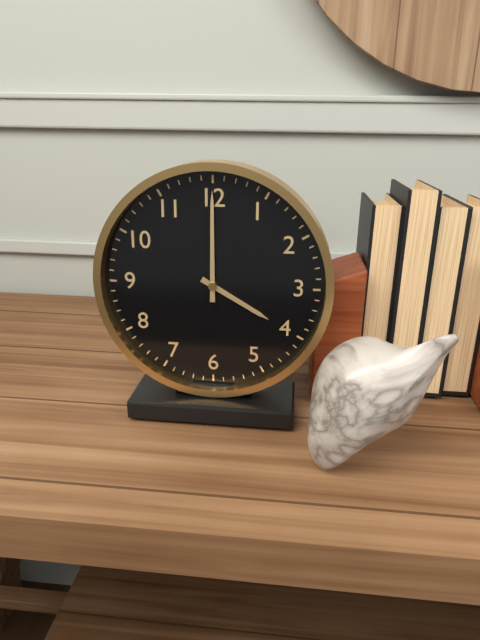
**4:00**
